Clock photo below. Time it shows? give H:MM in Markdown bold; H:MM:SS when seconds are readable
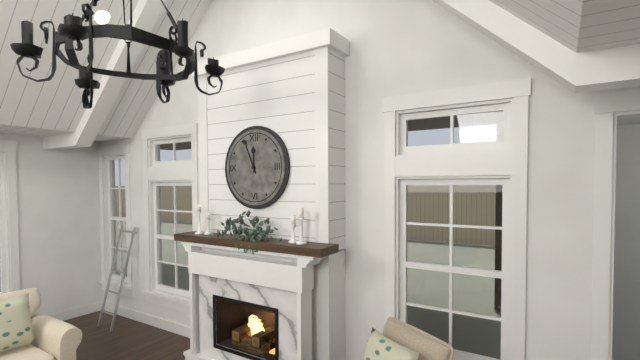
**11:56**
